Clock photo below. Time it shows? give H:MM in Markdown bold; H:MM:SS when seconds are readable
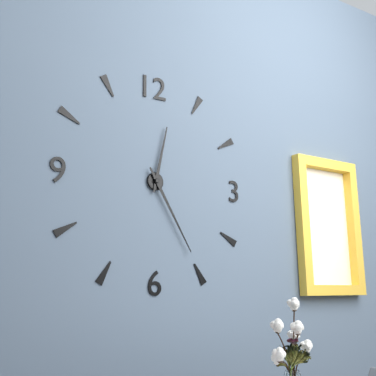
**12:25**
